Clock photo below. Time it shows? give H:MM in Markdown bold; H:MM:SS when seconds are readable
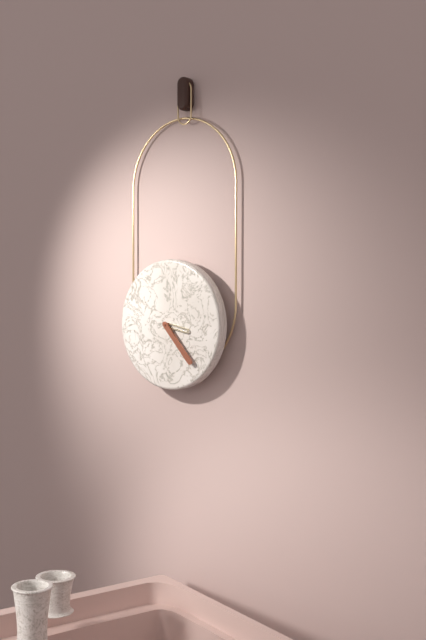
**3:23**
